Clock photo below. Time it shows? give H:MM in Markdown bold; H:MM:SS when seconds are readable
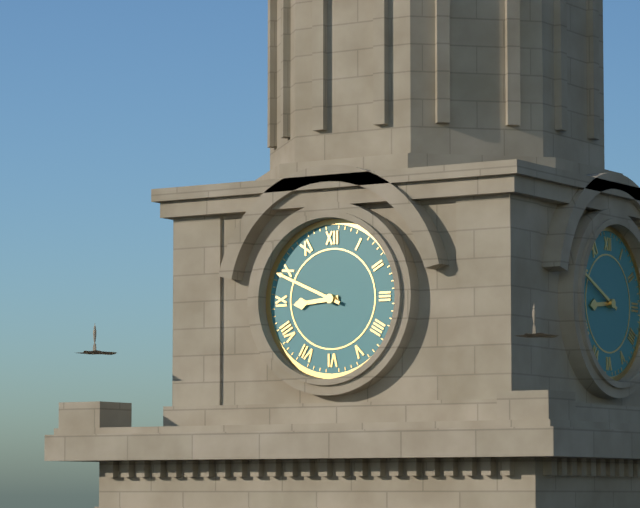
**8:49**
